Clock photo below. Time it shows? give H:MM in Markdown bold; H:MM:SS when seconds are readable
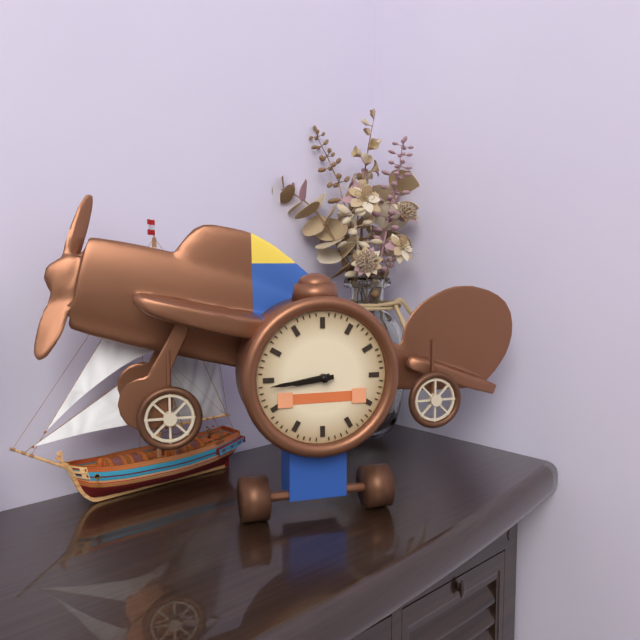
**8:44**
